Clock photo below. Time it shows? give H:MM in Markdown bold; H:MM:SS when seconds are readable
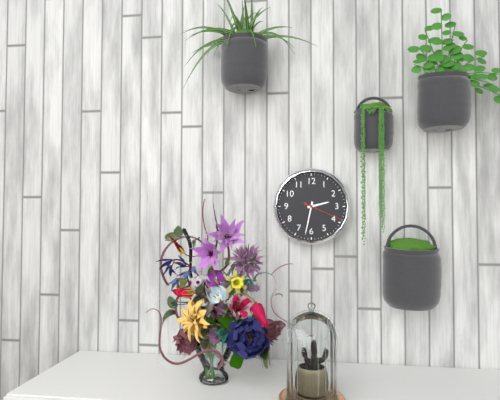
**2:32**
